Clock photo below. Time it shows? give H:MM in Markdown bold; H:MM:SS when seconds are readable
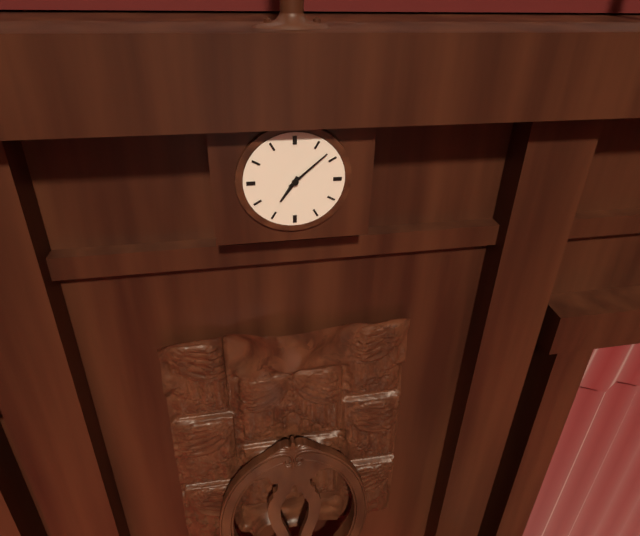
**7:08**
